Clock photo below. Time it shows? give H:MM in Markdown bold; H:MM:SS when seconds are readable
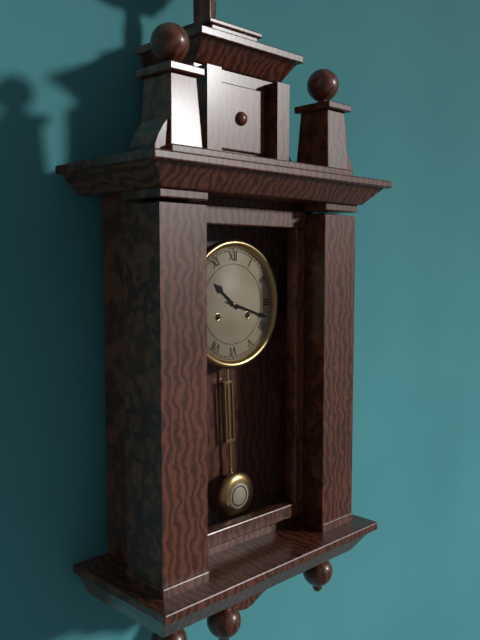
**10:18**
